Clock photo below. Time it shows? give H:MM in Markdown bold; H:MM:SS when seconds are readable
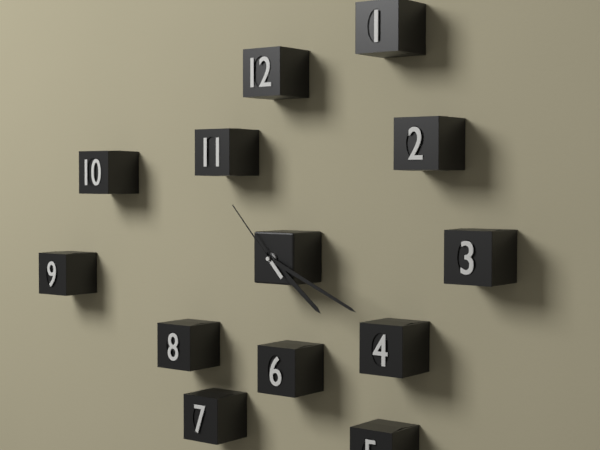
**4:19:53**
